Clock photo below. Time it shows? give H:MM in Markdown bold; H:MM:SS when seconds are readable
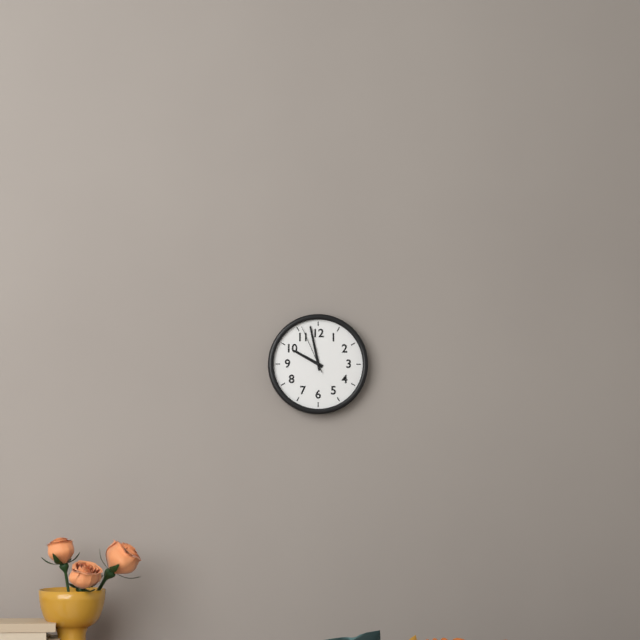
**9:58:56**
